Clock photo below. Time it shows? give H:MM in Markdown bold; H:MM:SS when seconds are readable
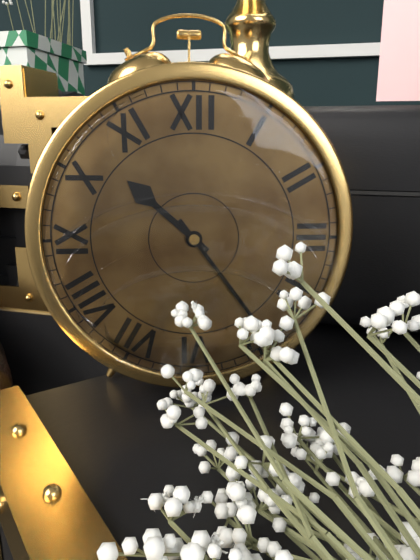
**10:24**
